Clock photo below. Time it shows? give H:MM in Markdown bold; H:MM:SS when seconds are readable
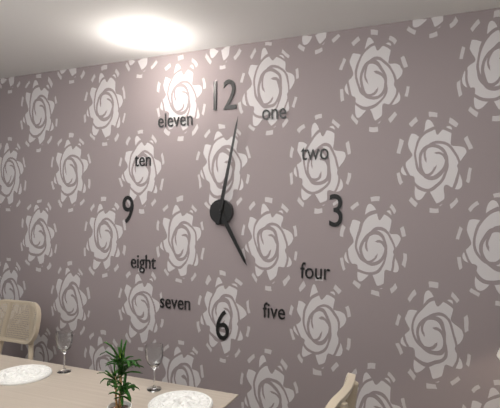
**5:02**
